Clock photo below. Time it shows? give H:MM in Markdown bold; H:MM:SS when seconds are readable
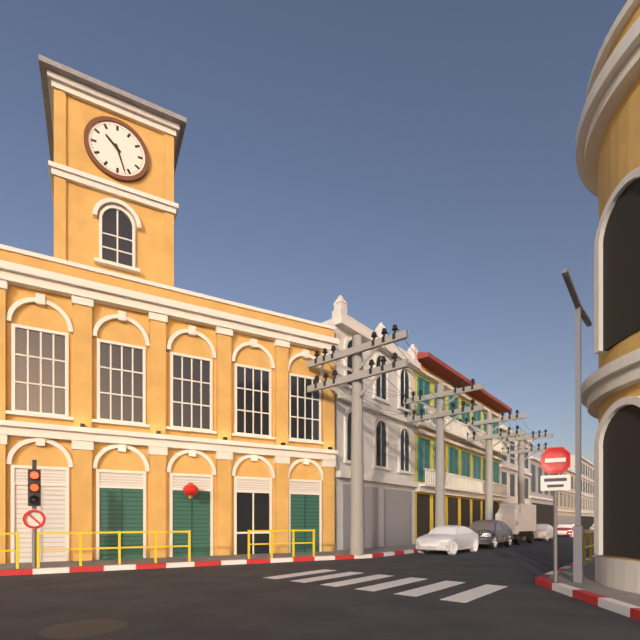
**10:27**
